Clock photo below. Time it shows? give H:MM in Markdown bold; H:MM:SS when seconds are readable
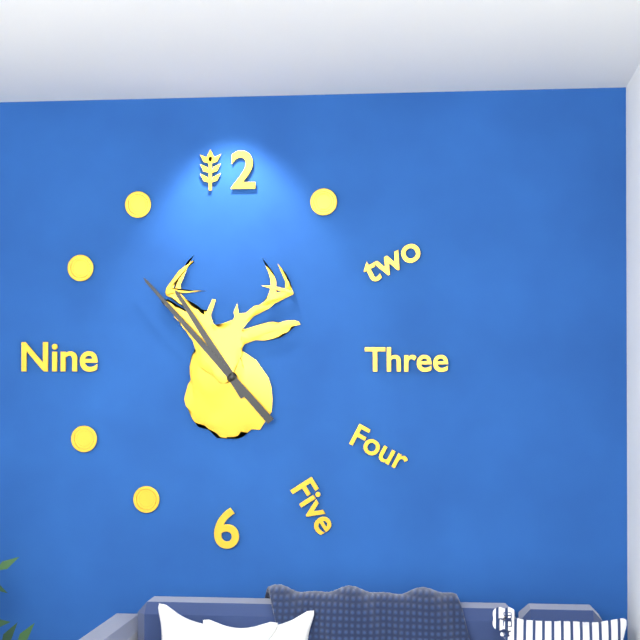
**10:53**
